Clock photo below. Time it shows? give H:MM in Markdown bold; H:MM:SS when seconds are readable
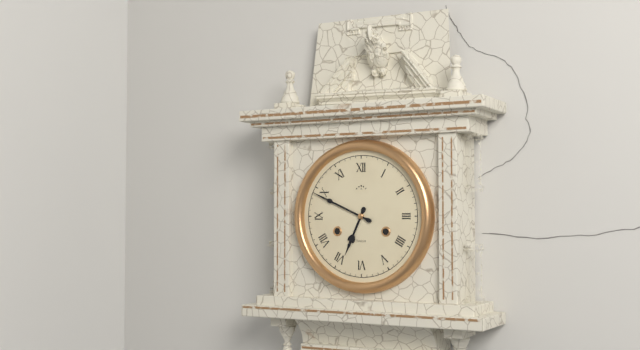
**6:49**
